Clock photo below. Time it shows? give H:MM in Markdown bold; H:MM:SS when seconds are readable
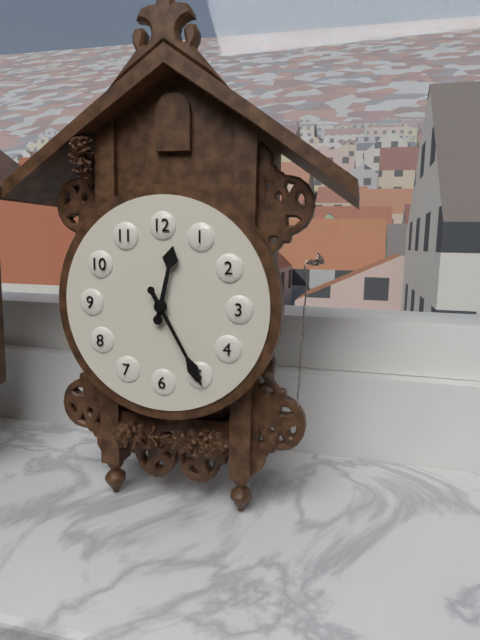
**12:25**
